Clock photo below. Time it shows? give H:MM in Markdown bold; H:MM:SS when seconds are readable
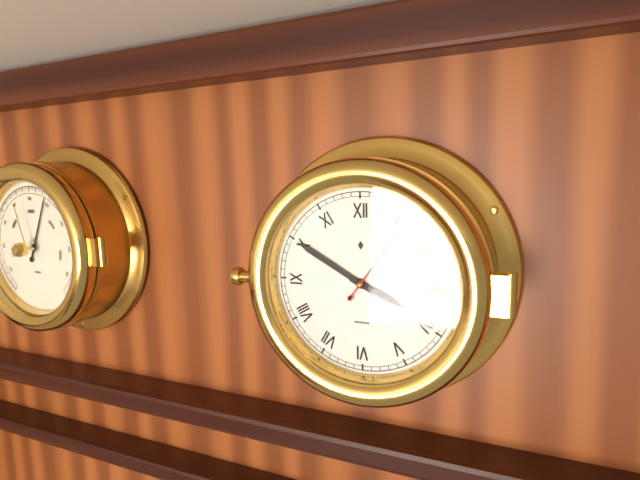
**3:50:06**
